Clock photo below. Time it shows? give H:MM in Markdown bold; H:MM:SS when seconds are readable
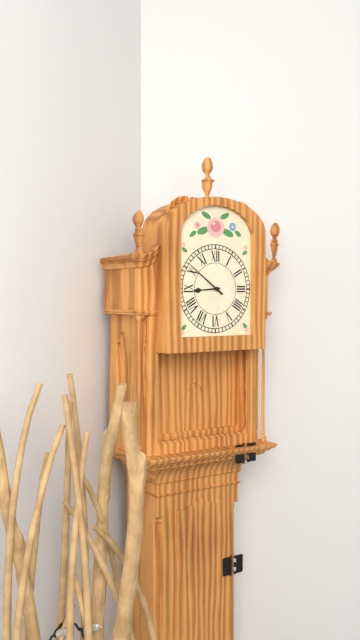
**8:51**
